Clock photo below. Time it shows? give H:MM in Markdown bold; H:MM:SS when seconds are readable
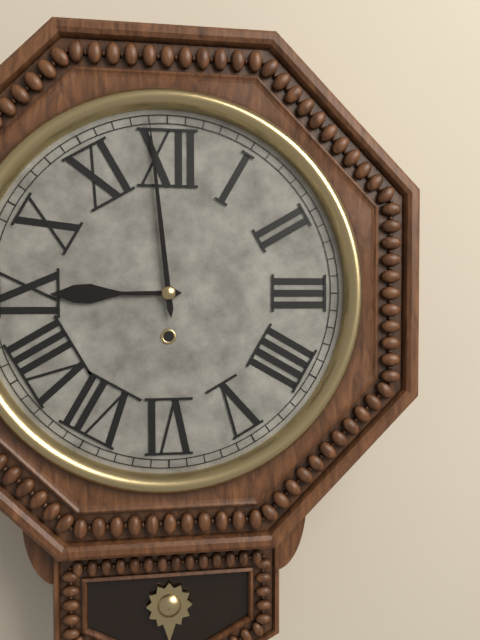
**8:59**
